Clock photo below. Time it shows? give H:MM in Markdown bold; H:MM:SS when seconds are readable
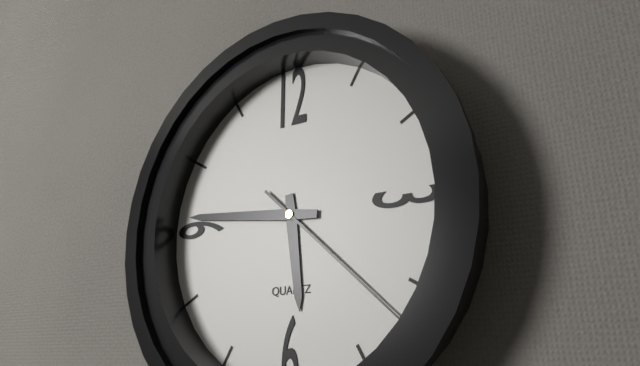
**5:46:22**
